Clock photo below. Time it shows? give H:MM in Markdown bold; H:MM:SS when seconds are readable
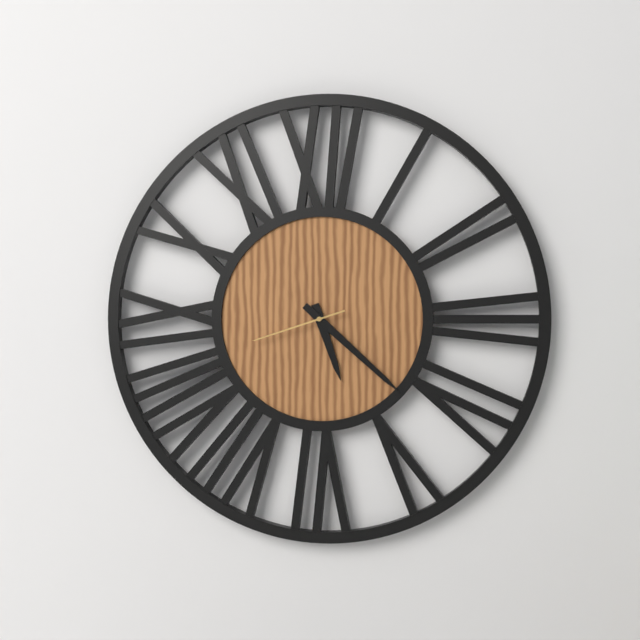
**5:22:42**
